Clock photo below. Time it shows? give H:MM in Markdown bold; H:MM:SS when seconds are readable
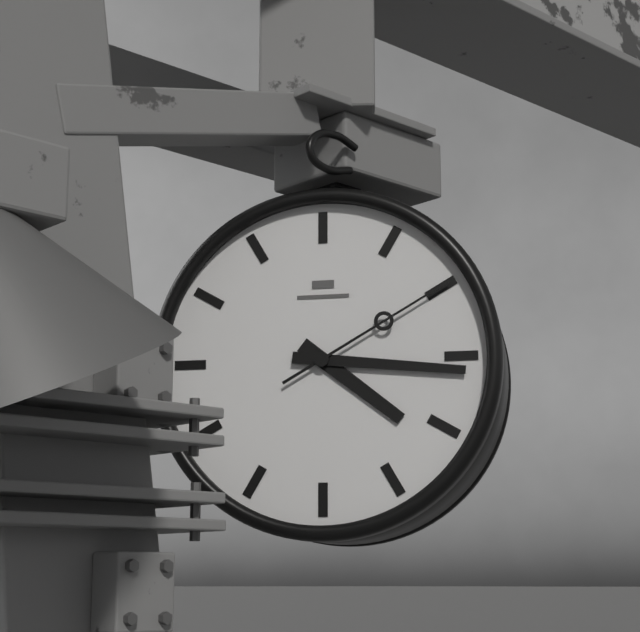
**4:16:10**
